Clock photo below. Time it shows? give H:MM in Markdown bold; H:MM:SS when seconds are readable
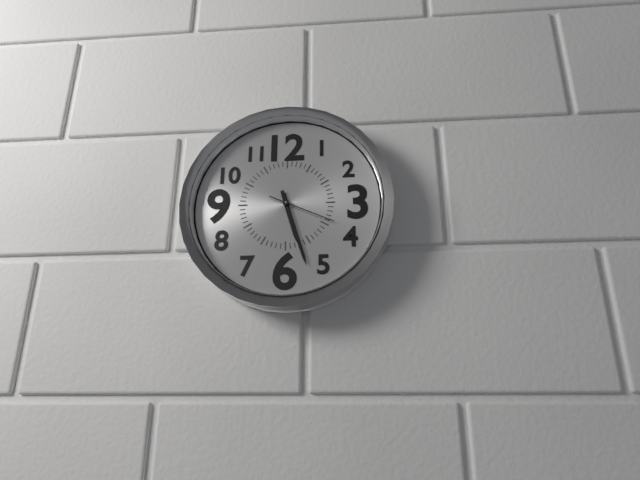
**5:27:19**
